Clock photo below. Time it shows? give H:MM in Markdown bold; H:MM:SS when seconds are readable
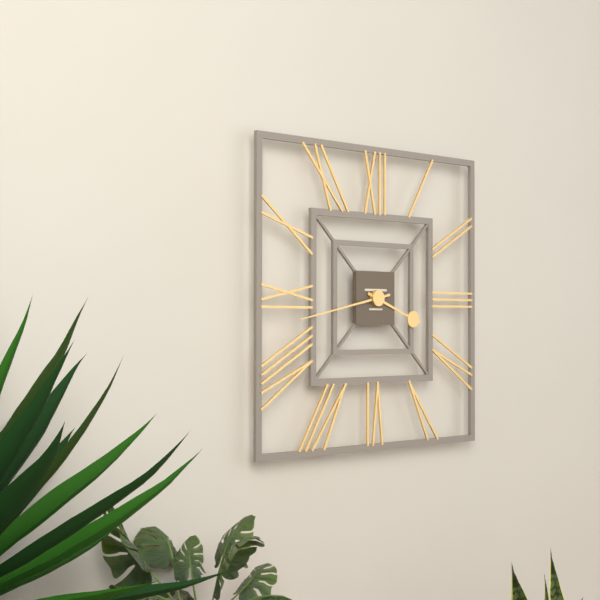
**3:43**
